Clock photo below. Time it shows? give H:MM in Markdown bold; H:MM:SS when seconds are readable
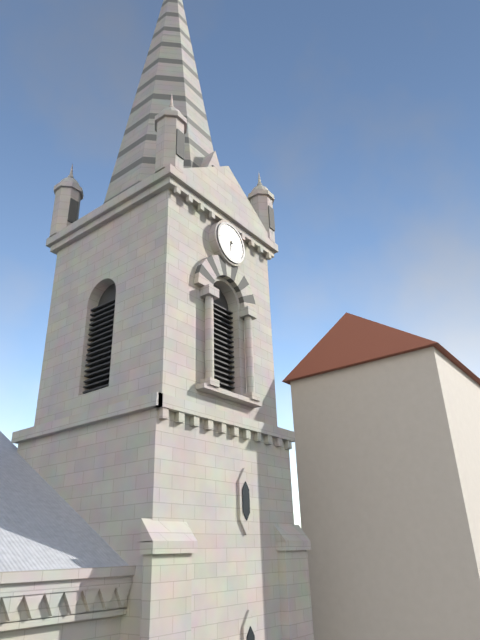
**6:23**
